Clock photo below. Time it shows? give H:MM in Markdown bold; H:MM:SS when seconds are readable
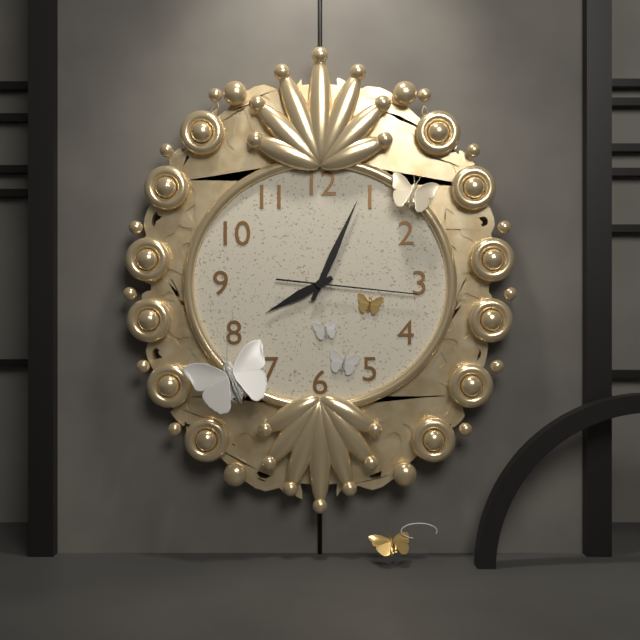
**8:04:16**
